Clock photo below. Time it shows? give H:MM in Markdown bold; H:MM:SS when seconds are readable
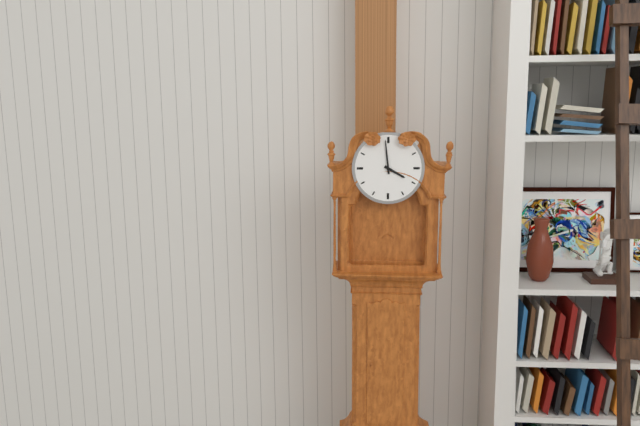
**3:59**
